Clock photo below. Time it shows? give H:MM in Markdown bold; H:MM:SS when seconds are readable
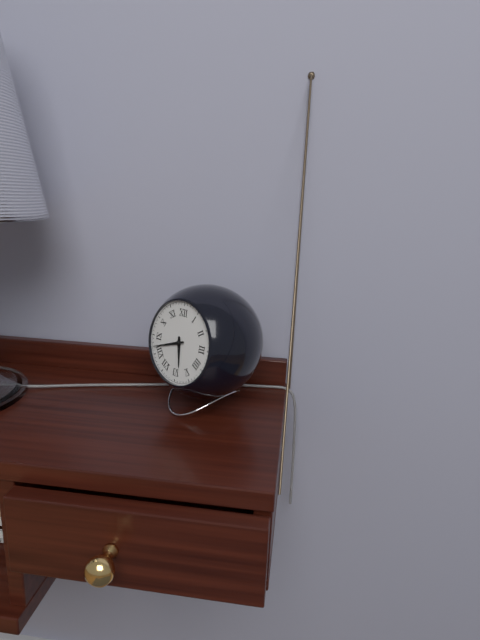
**5:42**
